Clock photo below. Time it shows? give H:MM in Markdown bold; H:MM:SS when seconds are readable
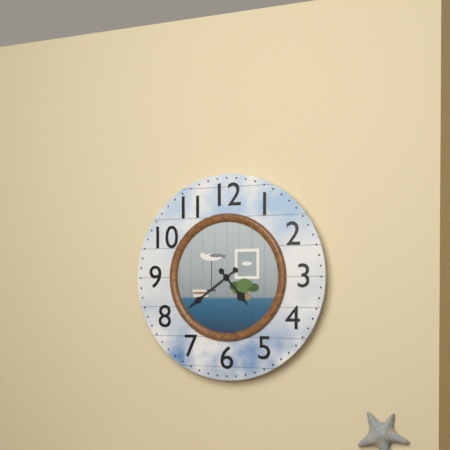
**4:39**
